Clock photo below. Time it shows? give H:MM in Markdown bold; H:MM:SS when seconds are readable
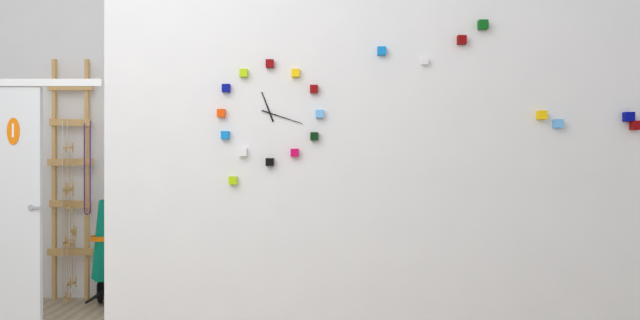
**11:18**
